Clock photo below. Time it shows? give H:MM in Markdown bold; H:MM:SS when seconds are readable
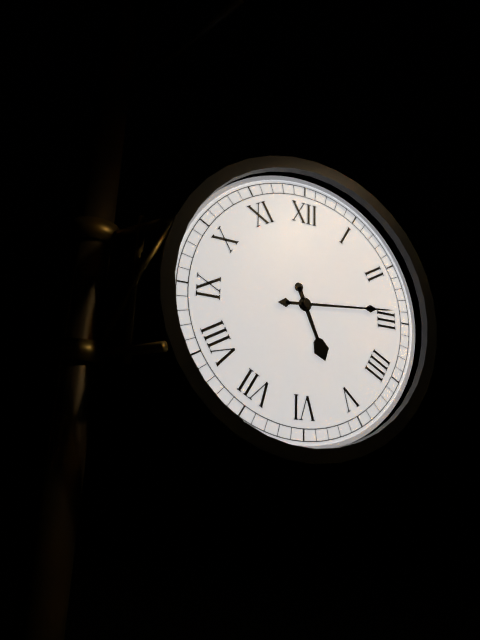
**5:14**
